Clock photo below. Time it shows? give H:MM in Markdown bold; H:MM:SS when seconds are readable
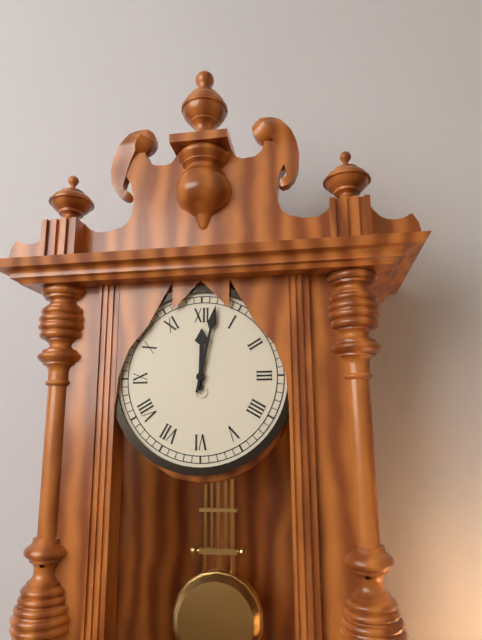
**12:02**
